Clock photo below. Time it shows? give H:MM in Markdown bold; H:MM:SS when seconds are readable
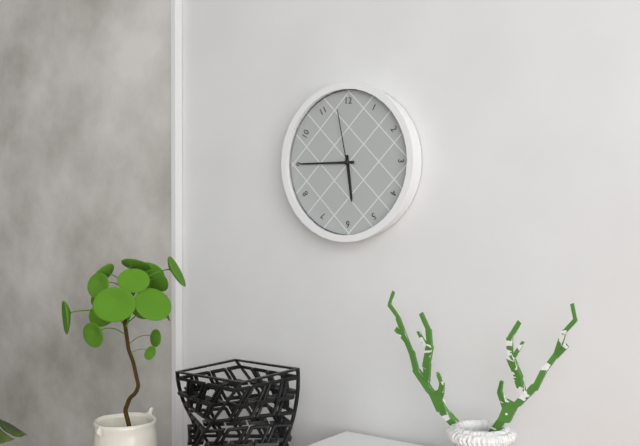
**5:45:58**
